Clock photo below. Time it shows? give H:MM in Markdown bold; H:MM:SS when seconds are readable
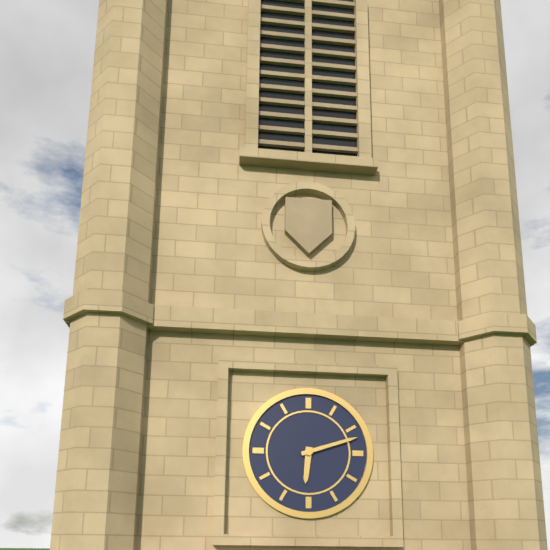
**6:12**
